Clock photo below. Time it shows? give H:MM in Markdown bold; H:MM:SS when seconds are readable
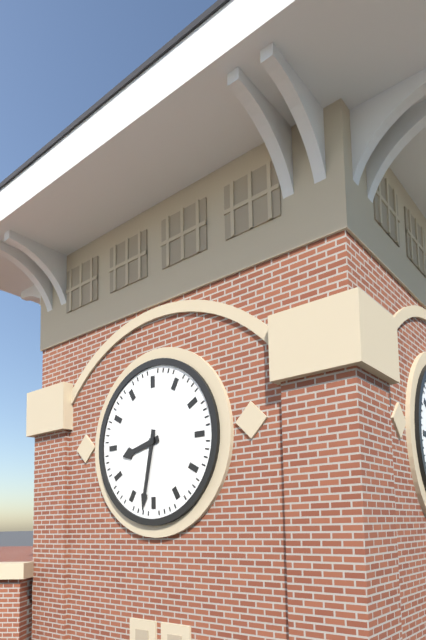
**8:32**
